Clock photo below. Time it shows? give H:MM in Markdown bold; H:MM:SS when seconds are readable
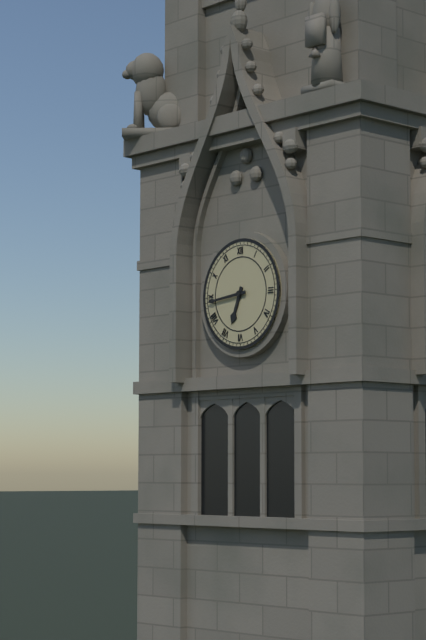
**6:44**
